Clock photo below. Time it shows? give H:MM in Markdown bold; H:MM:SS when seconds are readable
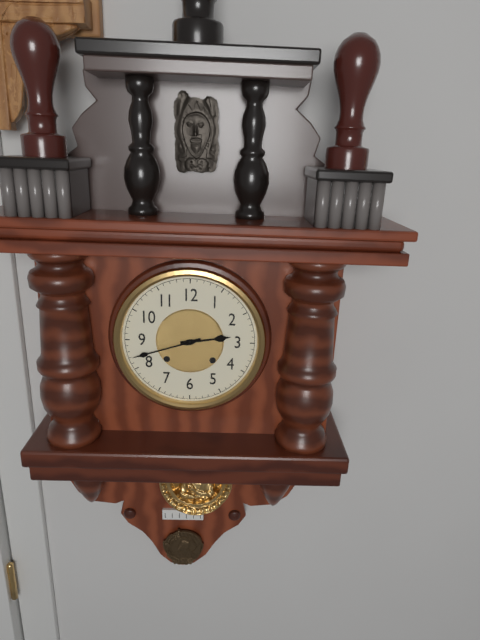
**2:42**
